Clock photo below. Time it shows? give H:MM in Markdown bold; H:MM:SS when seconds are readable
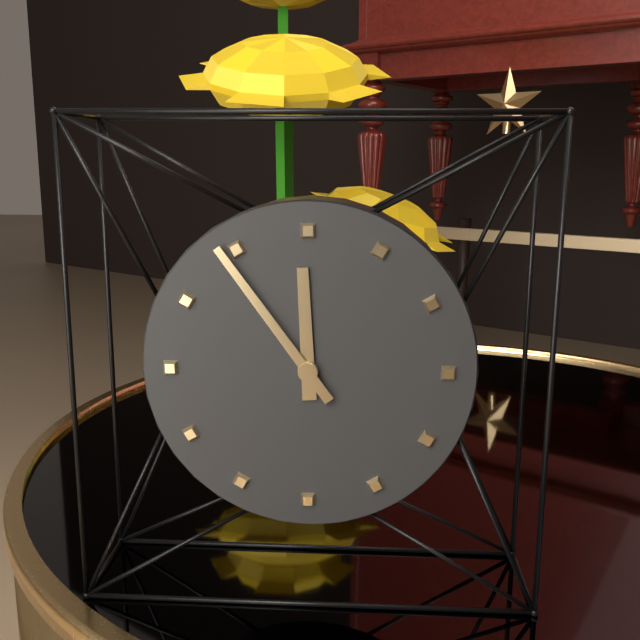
**11:54**
